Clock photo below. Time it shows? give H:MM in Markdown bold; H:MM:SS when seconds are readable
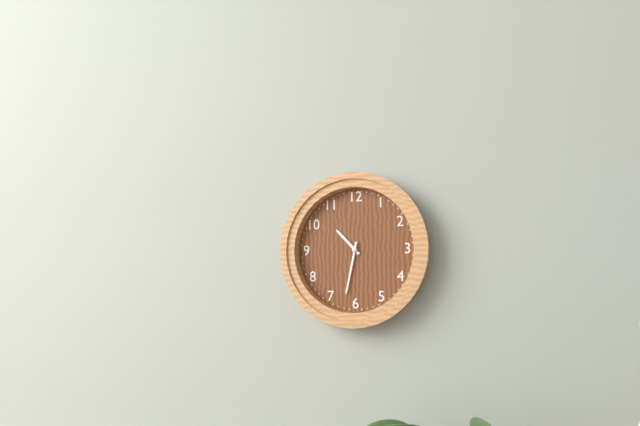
**10:32**
